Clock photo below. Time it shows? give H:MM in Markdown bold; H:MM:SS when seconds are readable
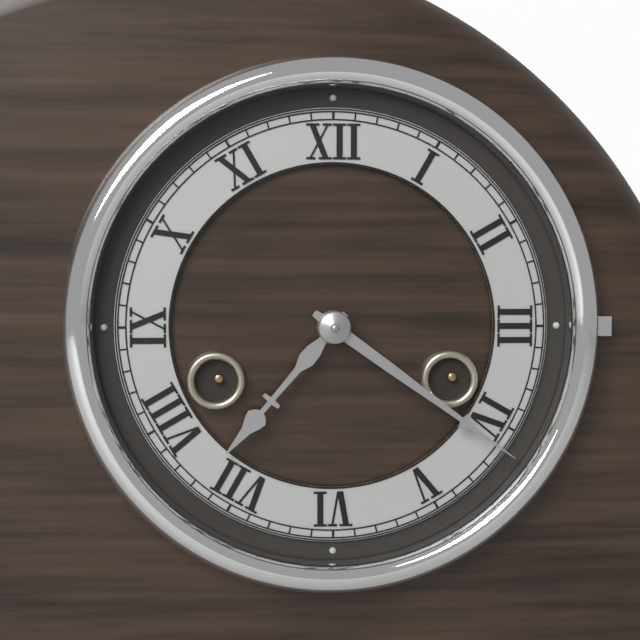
**7:21**
